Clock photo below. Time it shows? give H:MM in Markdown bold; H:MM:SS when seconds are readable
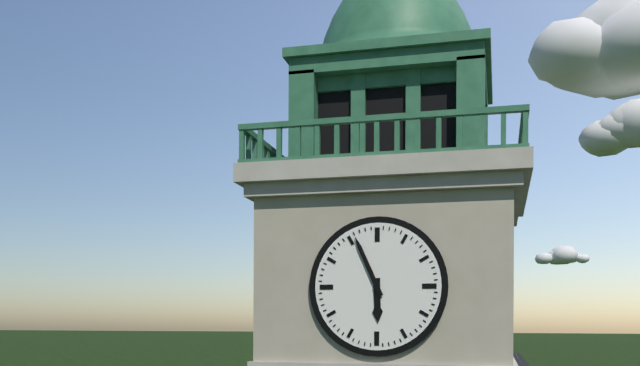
**5:56**
